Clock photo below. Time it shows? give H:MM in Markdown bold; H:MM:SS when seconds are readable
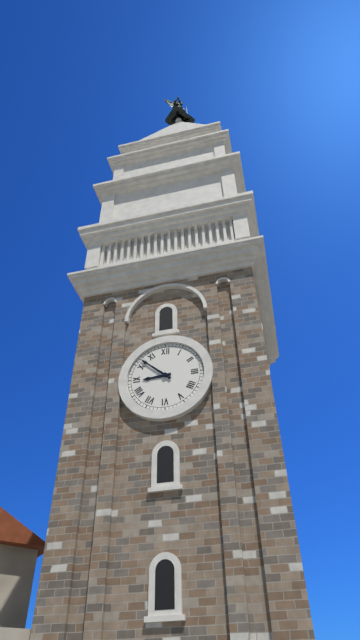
**8:52**
